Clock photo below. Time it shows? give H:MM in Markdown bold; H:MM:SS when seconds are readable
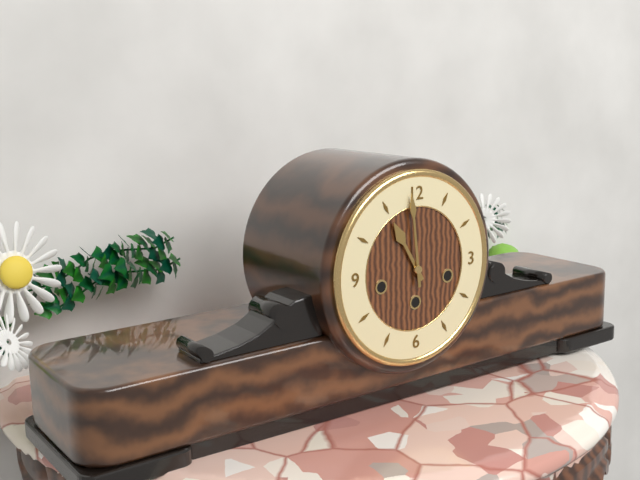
**10:59**
